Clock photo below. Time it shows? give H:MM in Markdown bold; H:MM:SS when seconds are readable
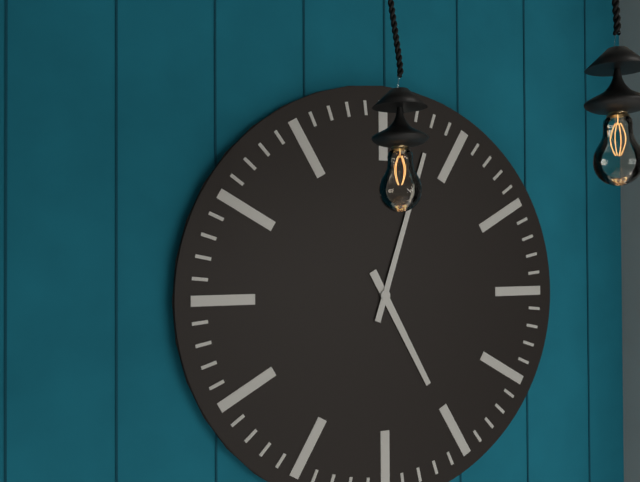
**5:03**
